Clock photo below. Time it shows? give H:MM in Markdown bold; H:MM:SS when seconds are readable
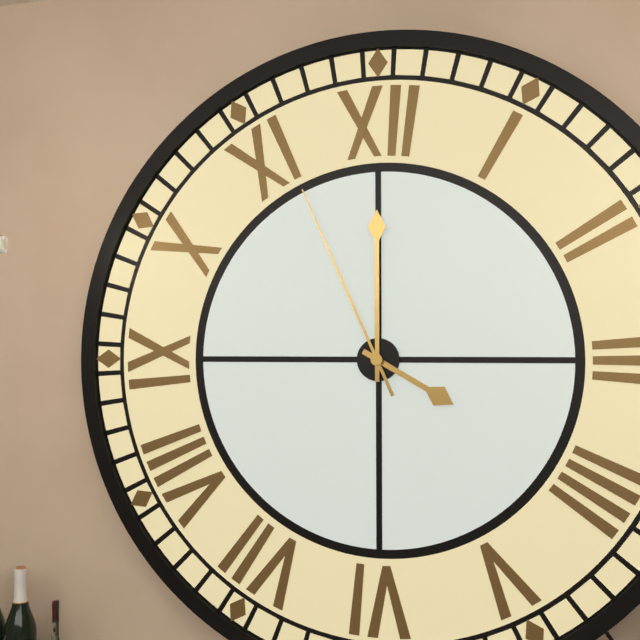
**4:00:56**
